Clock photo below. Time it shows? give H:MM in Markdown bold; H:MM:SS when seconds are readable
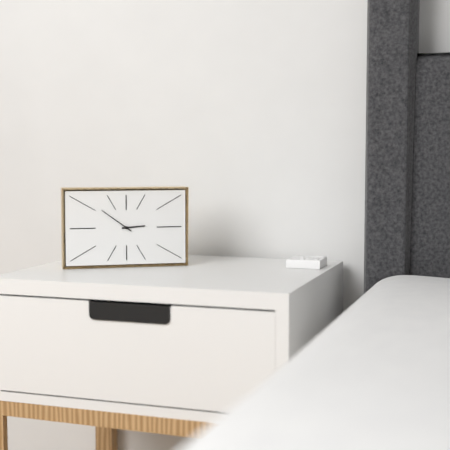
**2:51**
